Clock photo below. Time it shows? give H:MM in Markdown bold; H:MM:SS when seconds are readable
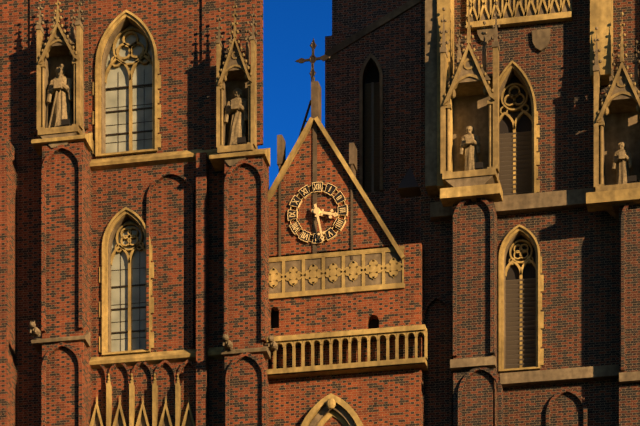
**3:28**
